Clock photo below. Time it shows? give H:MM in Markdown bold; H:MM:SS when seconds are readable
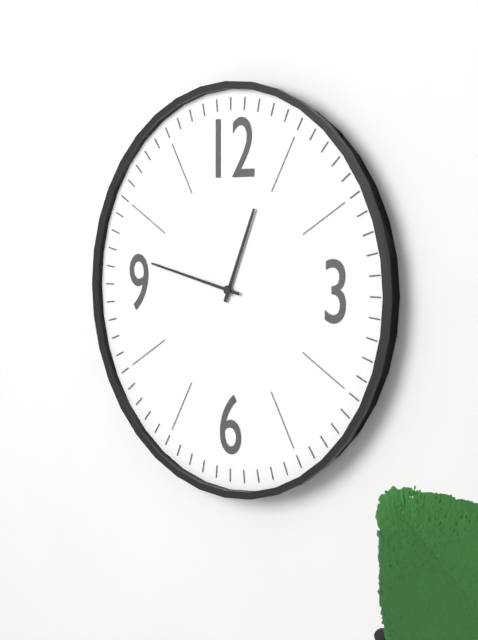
**12:47**
